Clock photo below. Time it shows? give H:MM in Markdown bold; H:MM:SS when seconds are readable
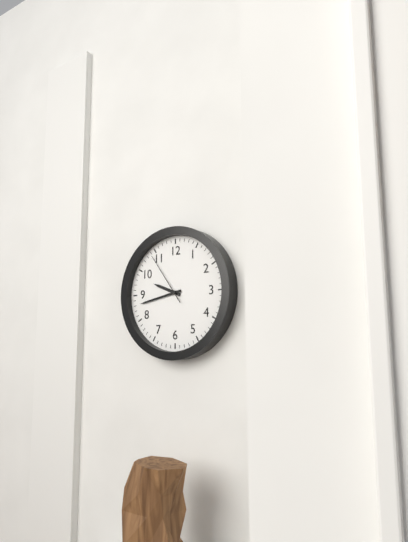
**9:43:54**
